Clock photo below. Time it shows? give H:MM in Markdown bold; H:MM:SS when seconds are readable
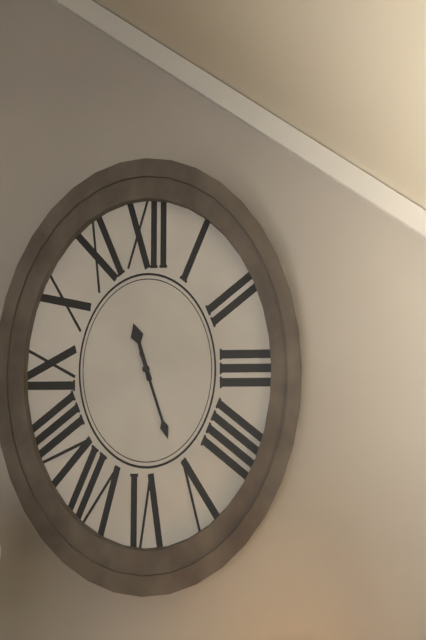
**11:27**
